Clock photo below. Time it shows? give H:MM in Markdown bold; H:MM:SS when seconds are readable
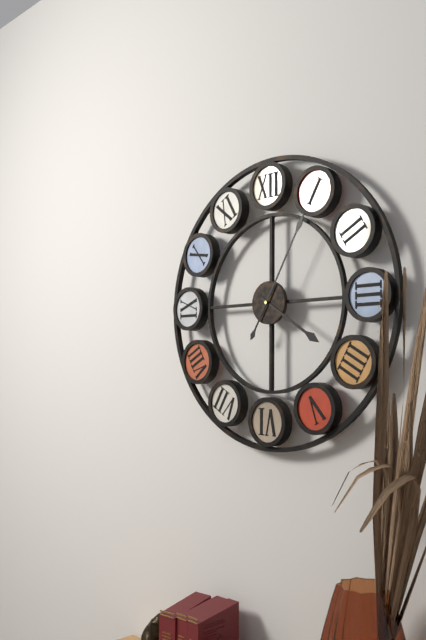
**4:05**
